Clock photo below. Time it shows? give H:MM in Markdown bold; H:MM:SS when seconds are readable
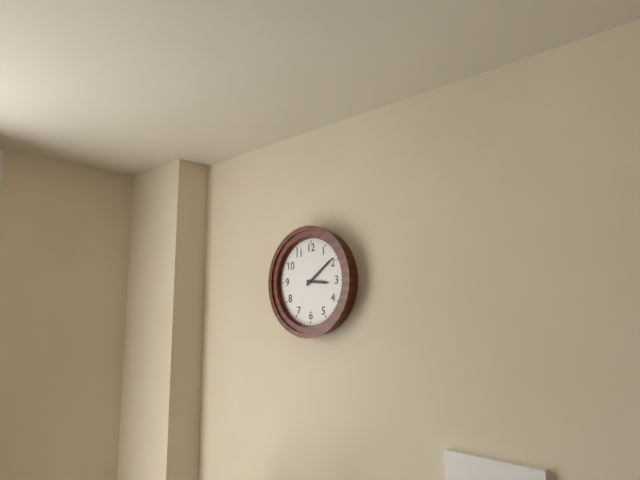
**3:09**
